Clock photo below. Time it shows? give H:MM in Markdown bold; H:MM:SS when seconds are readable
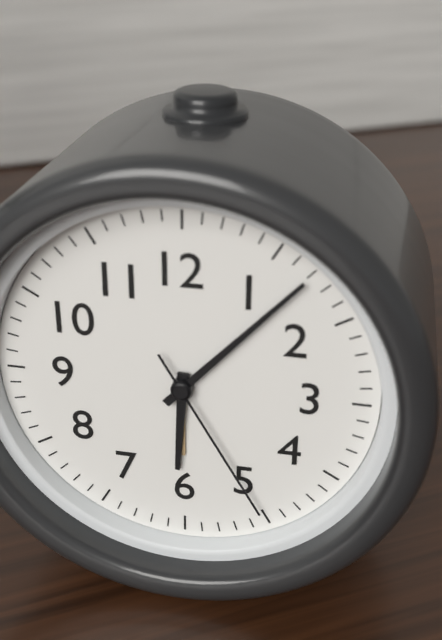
**6:07:25**
